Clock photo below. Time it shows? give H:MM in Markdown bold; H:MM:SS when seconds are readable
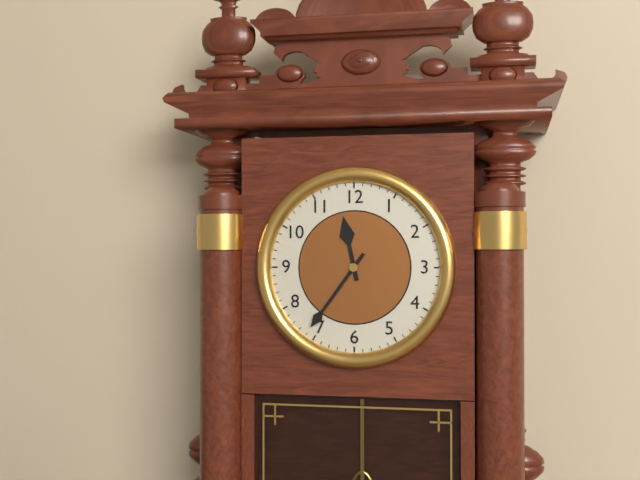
**11:36**
